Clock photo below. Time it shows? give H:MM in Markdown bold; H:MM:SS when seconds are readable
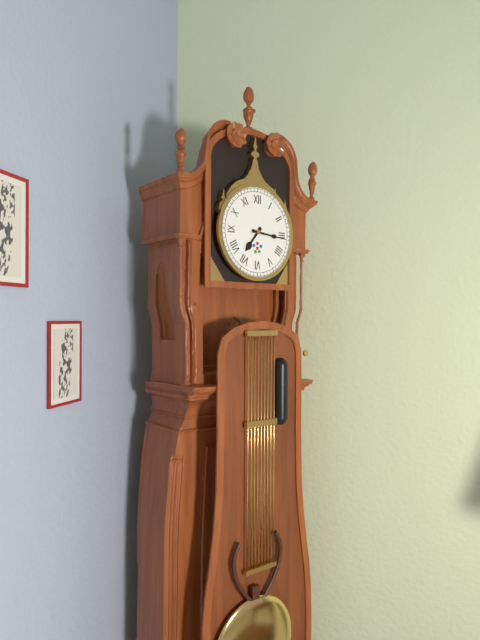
**7:16**
